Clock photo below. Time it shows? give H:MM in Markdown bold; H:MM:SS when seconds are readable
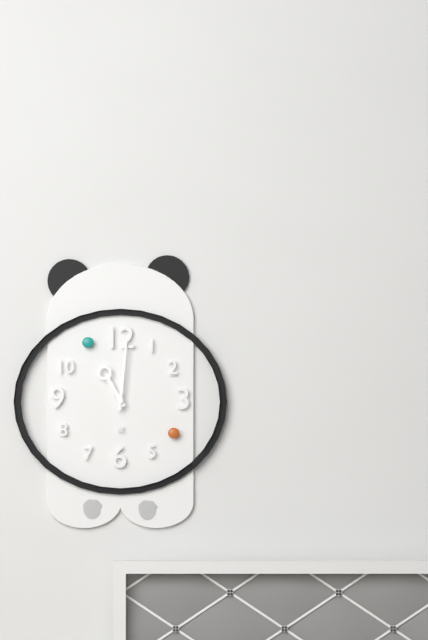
**11:01**
